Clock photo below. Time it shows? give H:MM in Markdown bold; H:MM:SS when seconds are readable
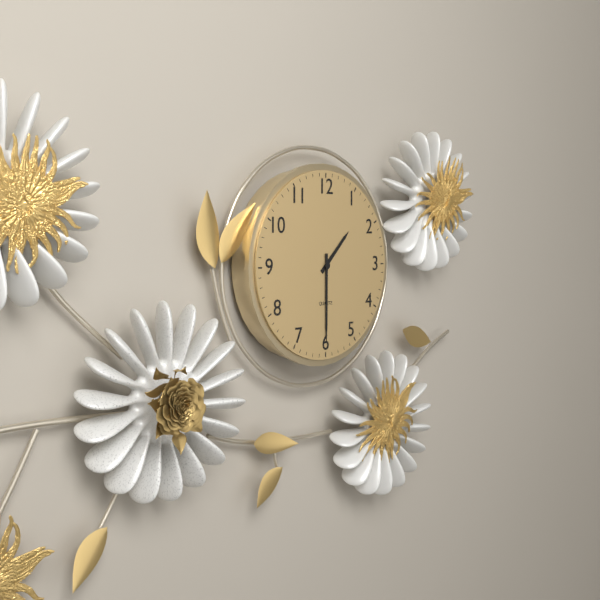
**1:30**
